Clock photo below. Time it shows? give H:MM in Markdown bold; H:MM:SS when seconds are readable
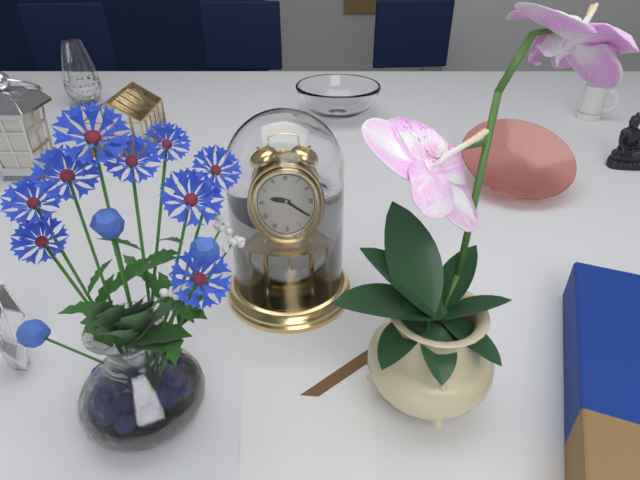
**9:20**
